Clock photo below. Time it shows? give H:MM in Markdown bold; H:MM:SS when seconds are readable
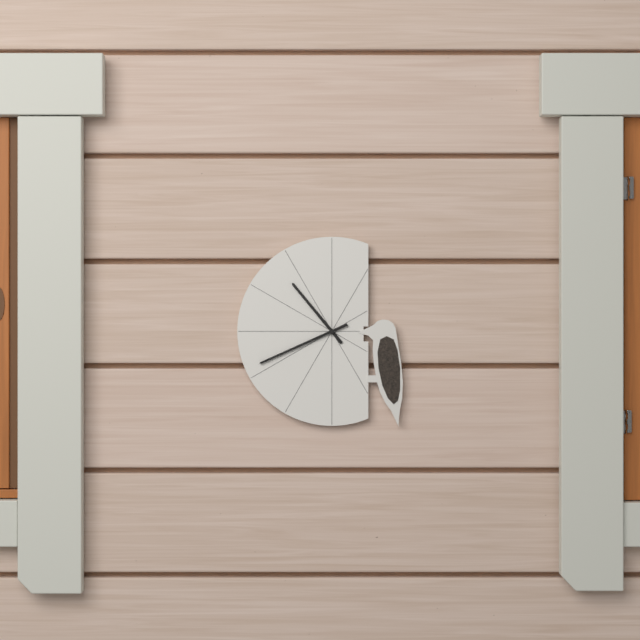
**10:41**
